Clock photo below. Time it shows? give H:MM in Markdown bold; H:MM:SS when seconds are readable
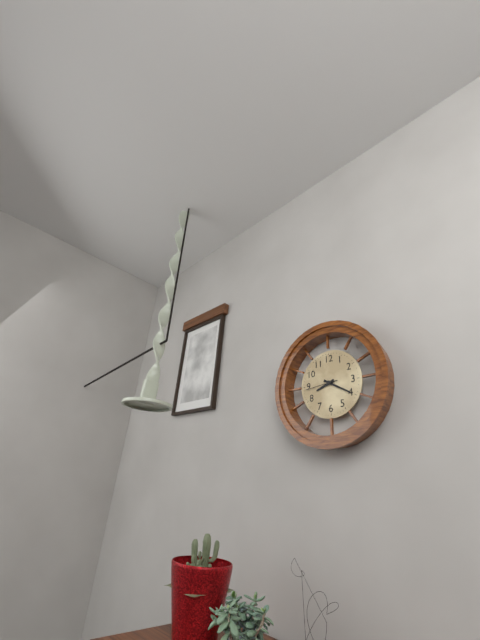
**8:20**
